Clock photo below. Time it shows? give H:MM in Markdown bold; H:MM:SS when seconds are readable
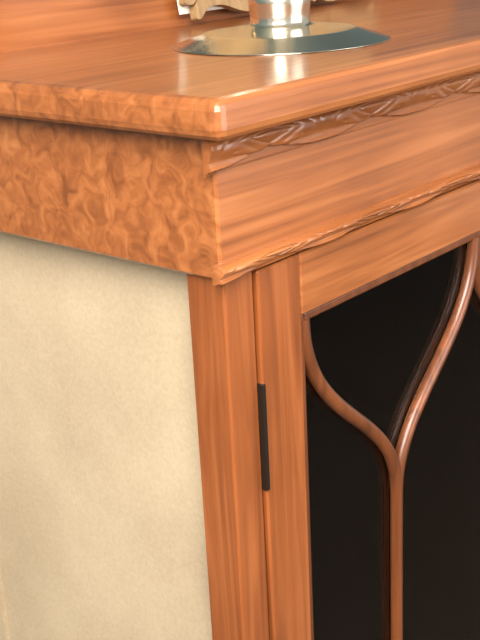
**7:44**
